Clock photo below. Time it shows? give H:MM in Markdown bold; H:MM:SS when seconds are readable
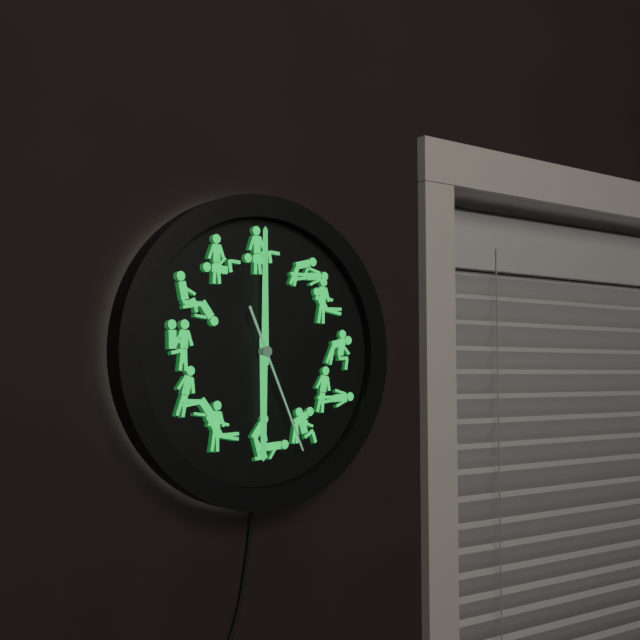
**6:00:26**
